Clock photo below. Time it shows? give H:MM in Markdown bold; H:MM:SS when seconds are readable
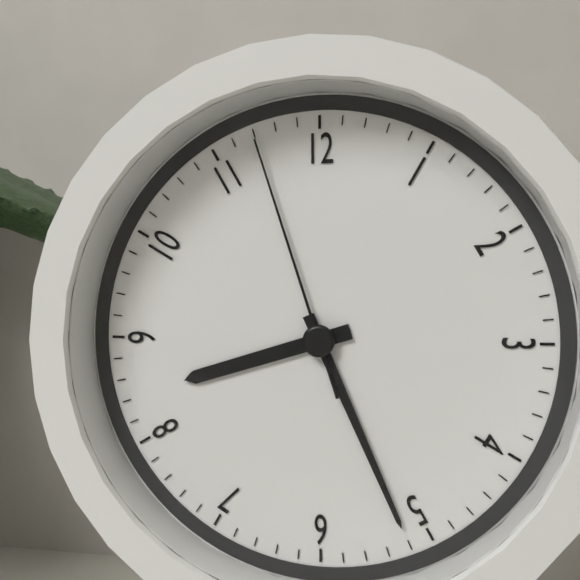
**8:26:57**
